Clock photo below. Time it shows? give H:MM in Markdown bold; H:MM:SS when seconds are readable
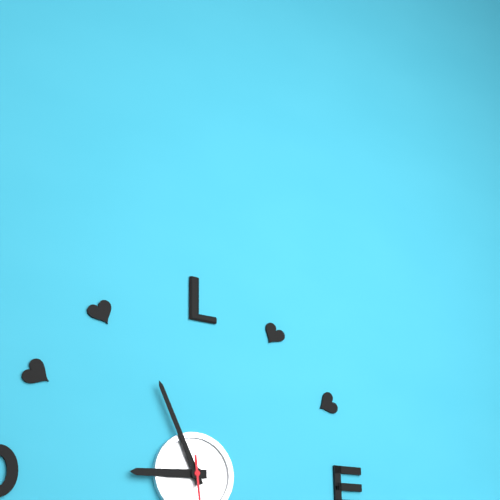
**8:56**
